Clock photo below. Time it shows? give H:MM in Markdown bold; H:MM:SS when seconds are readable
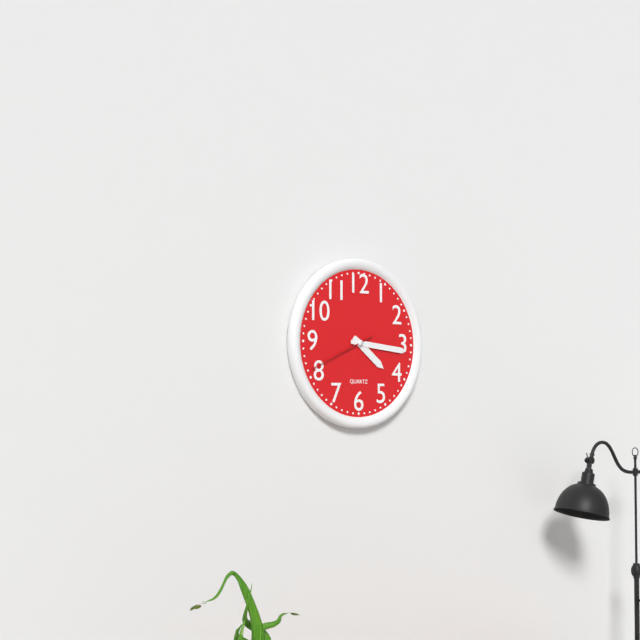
**4:16:41**
